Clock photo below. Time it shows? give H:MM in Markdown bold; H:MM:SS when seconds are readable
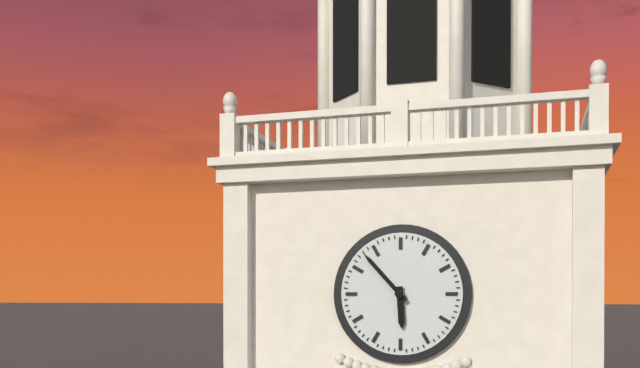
**5:53**
